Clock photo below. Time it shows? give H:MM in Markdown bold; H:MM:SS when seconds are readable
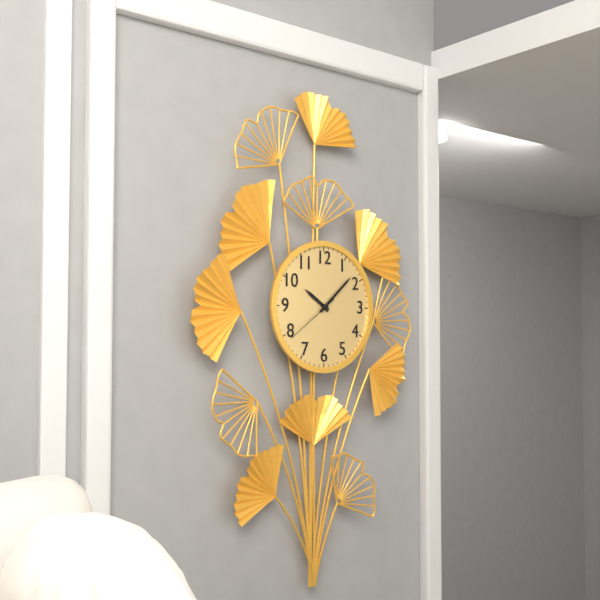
**10:08:39**
